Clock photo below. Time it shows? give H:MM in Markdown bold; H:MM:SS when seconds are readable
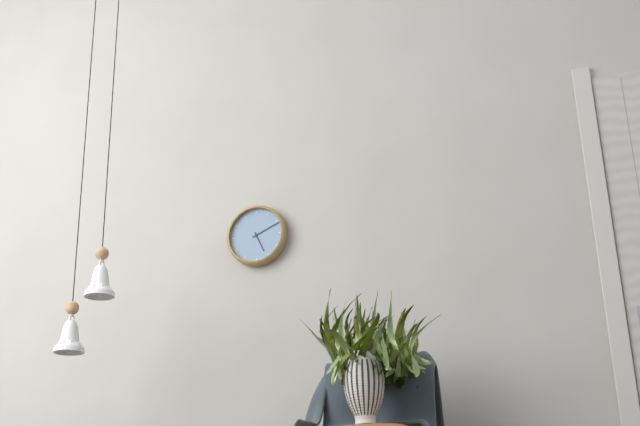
**5:11**
